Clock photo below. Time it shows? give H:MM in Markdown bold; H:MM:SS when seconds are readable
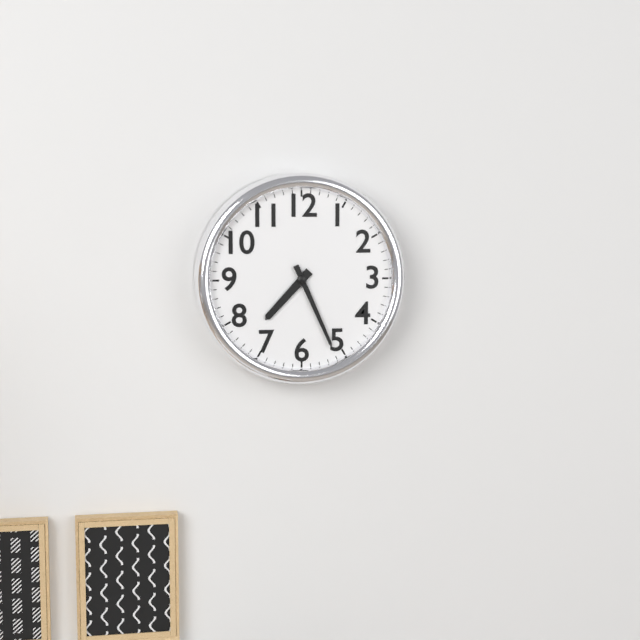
**7:26**
